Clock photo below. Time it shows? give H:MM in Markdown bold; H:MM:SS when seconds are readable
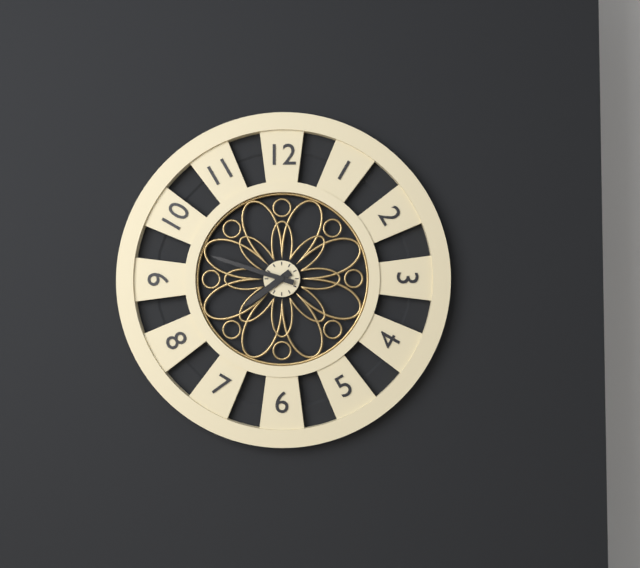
**7:48**
